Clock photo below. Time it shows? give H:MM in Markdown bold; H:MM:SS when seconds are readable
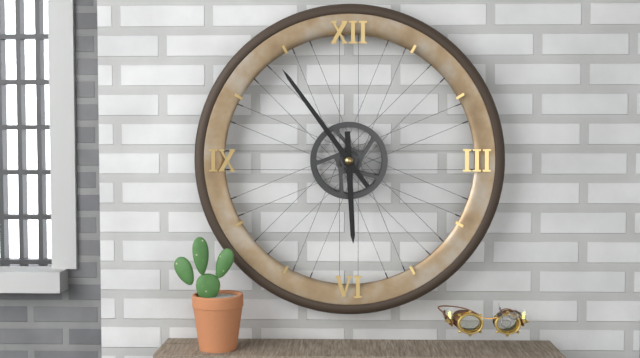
**5:54**
